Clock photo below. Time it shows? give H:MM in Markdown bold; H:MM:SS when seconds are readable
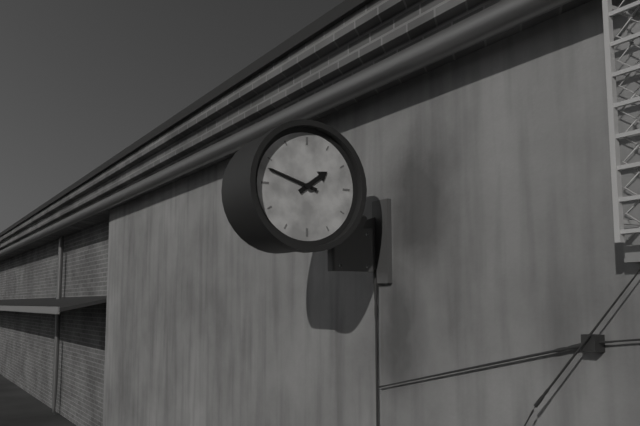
**1:48**
